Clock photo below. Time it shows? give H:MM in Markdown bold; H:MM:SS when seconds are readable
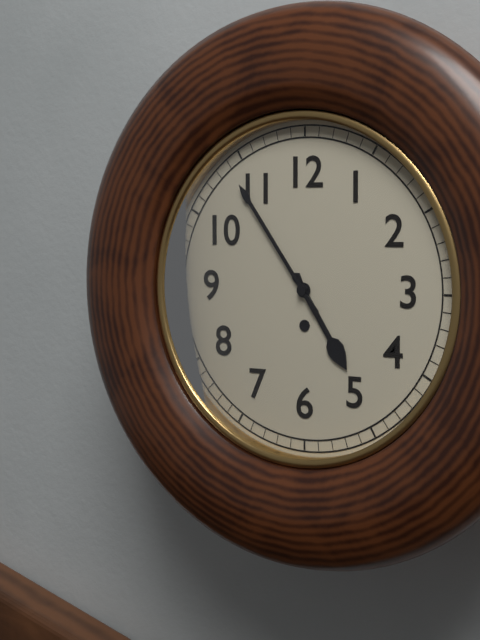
**4:54**
